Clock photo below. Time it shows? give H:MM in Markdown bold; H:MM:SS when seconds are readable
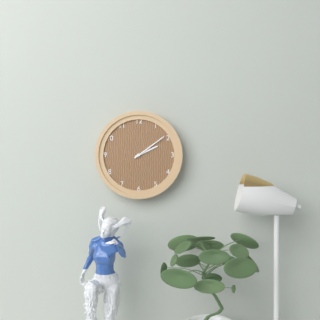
**2:09**
